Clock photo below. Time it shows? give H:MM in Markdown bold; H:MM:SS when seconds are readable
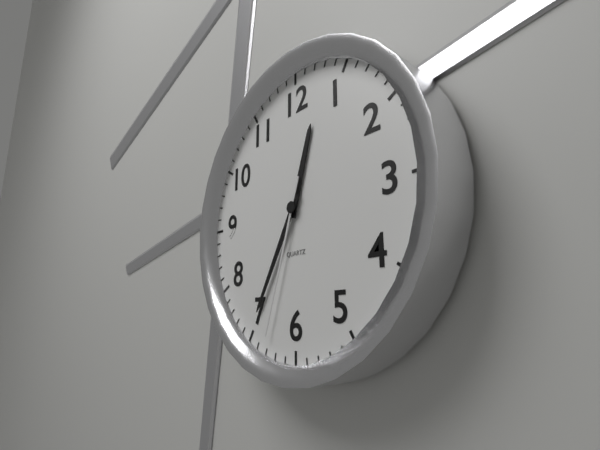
**12:35:33**
